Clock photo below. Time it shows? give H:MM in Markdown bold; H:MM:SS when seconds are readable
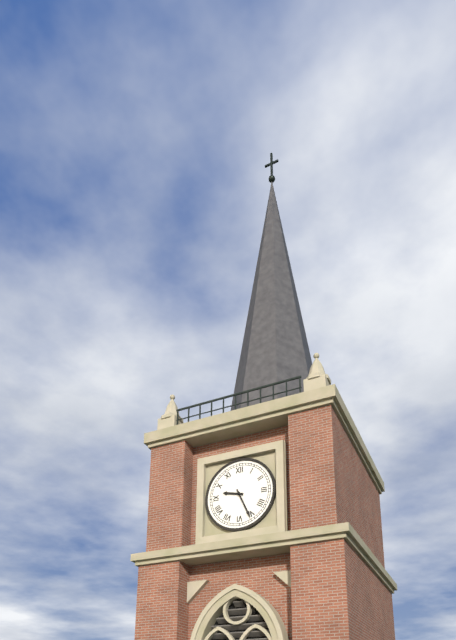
**9:26**
